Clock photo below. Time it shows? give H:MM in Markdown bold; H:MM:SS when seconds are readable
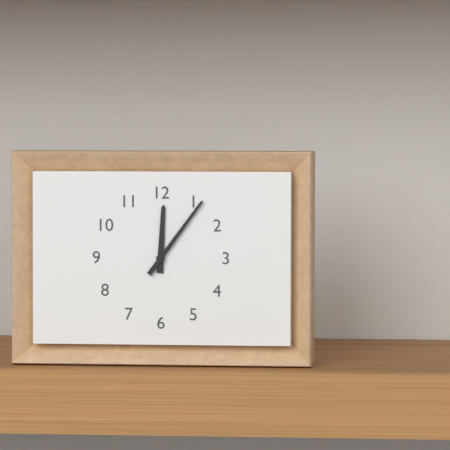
**12:06**
